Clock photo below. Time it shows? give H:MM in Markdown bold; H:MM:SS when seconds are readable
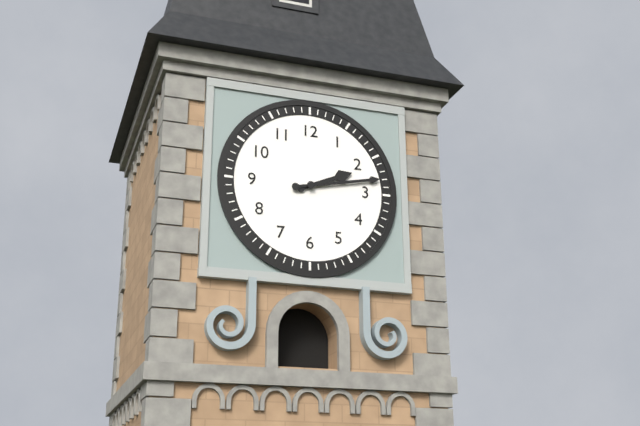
**2:13**
